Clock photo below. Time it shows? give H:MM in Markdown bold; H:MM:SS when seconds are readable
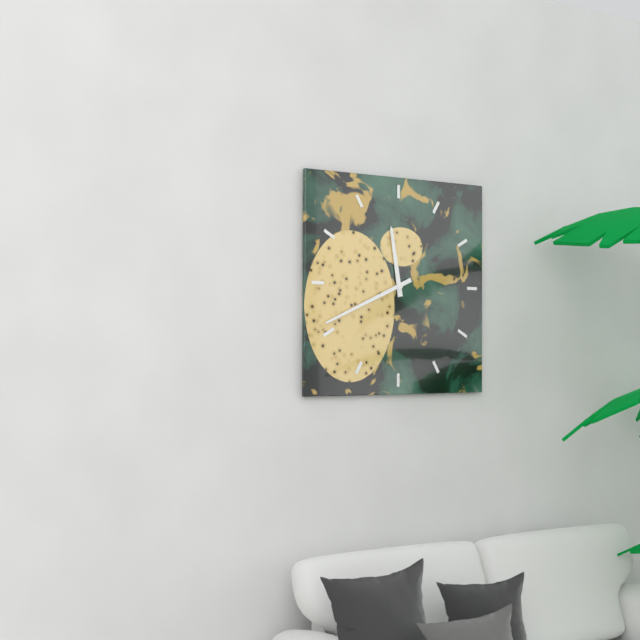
**11:41**
